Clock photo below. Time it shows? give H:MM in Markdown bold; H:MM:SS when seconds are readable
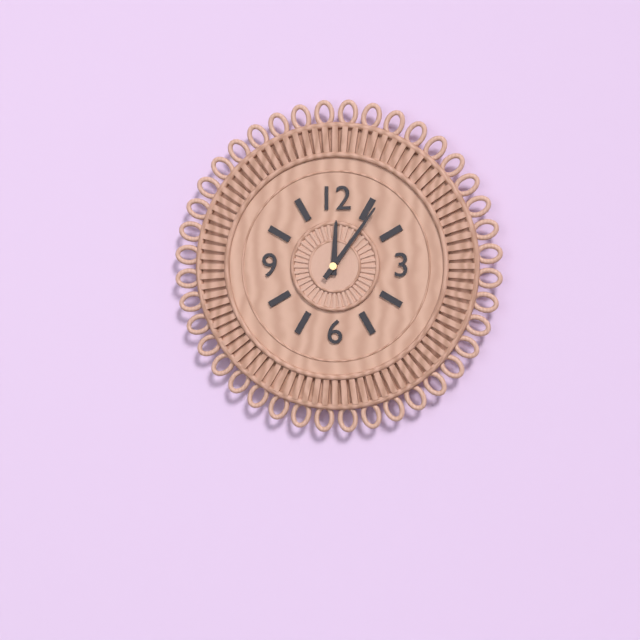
**12:06**
